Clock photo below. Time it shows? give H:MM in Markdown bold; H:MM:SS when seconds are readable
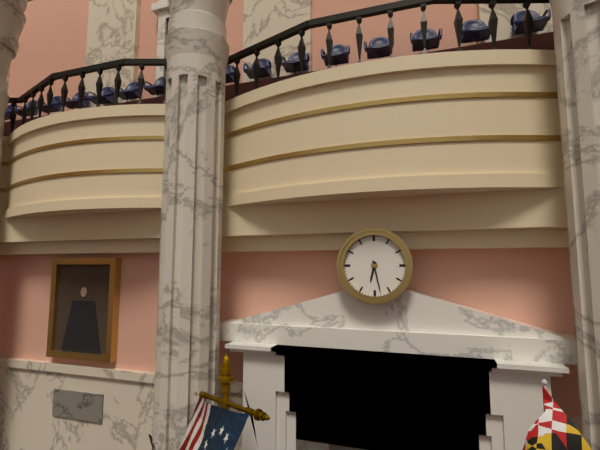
**6:28**
